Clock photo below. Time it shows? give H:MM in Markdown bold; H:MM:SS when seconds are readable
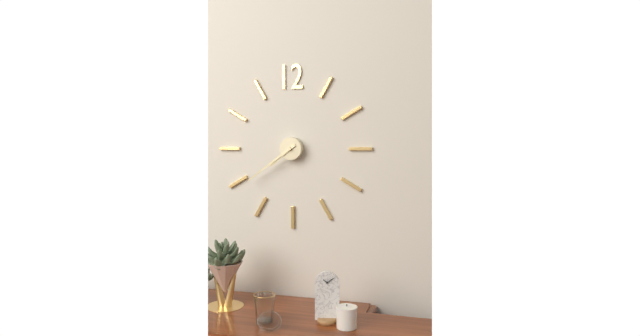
**7:39**
